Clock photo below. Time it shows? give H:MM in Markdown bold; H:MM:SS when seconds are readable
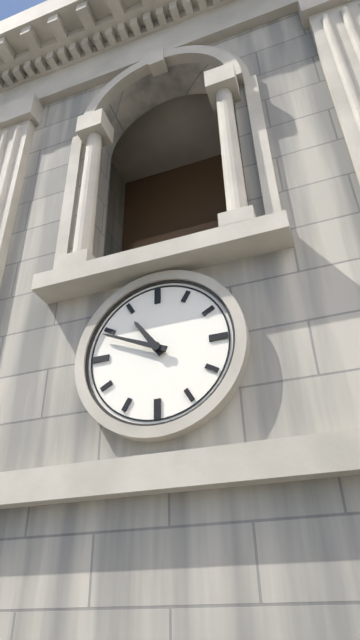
**10:49**
